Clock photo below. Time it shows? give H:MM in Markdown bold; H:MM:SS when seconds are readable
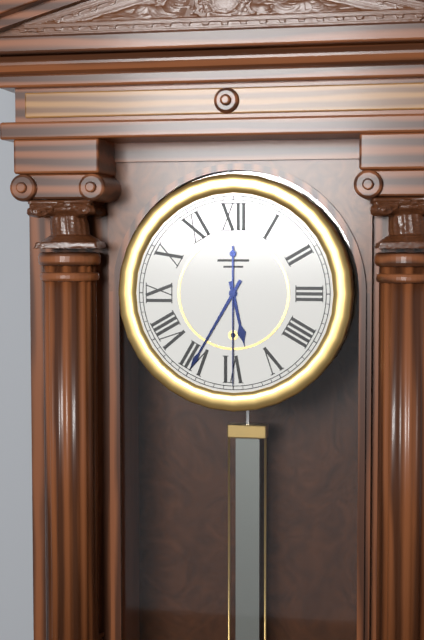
**5:35:30**
